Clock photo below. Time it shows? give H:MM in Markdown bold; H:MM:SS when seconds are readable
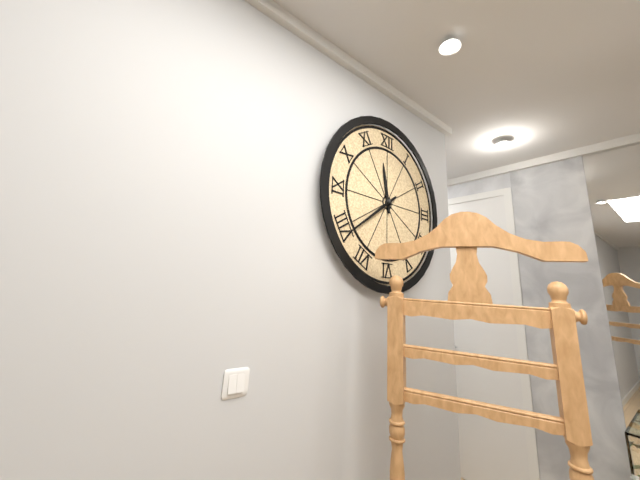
**11:39**
